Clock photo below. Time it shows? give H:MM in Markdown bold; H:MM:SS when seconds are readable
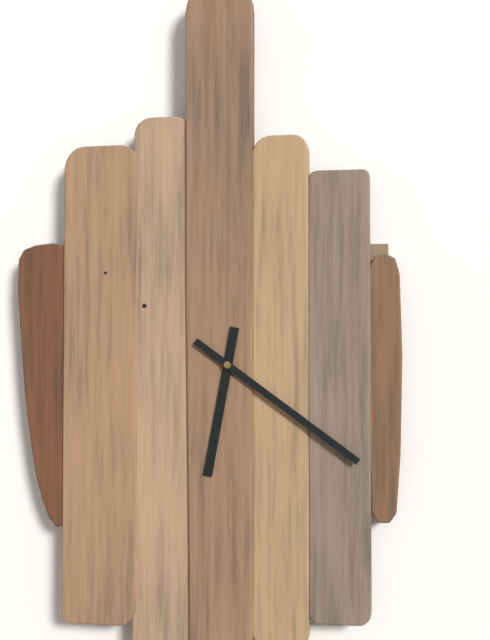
**6:21**
